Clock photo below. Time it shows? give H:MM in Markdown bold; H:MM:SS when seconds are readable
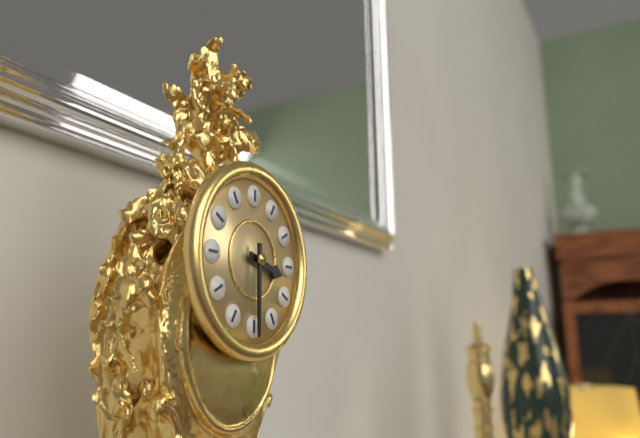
**3:30**
